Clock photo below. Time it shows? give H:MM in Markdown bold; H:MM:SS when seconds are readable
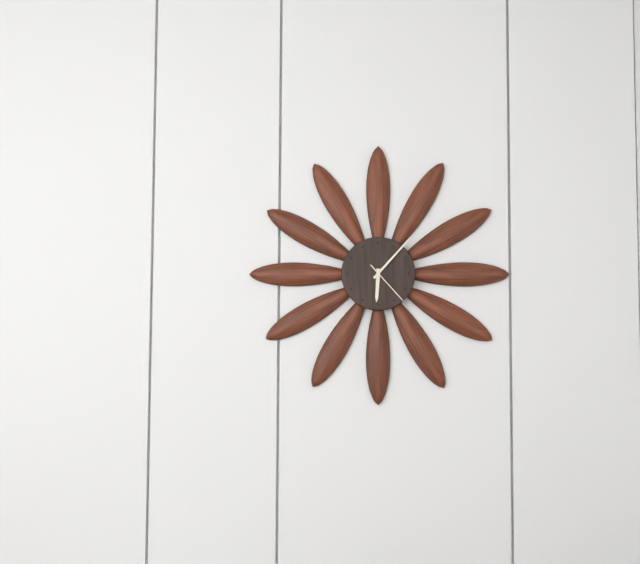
**6:07**
